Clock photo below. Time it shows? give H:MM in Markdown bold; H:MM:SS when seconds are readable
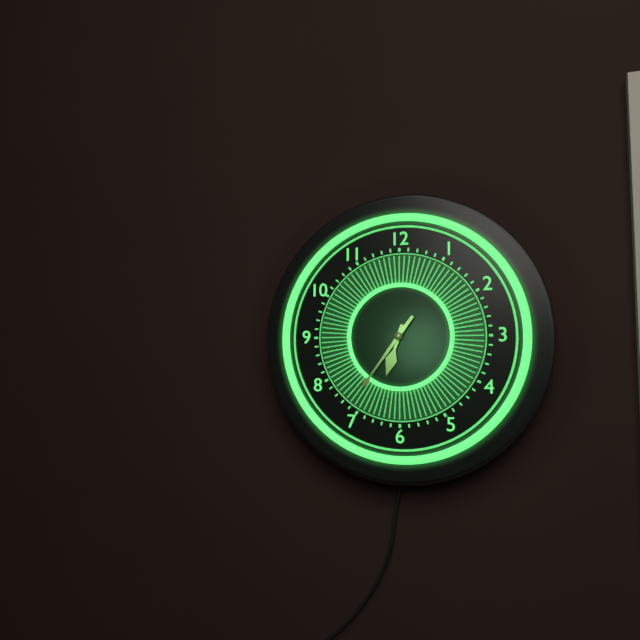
**6:36**
